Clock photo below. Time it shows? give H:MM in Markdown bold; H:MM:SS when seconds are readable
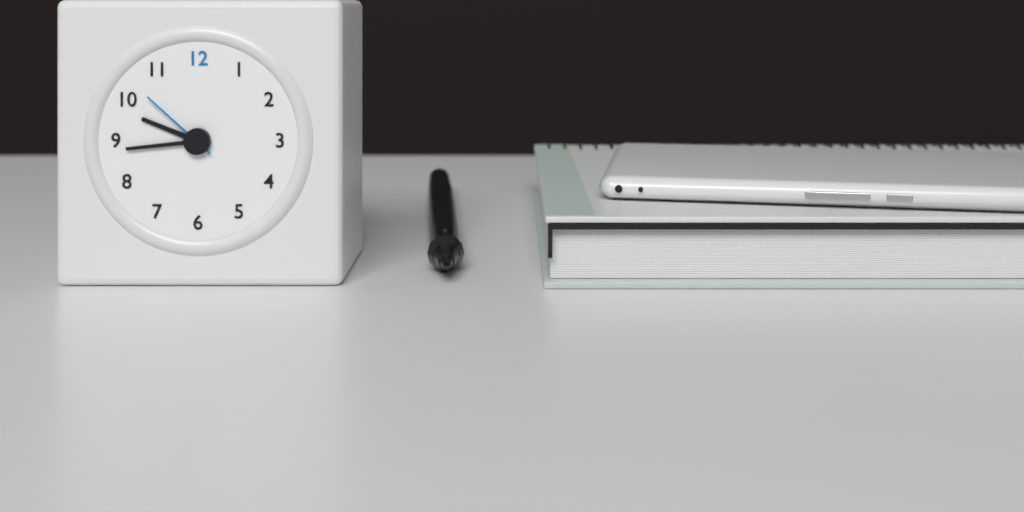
**9:44:52**
